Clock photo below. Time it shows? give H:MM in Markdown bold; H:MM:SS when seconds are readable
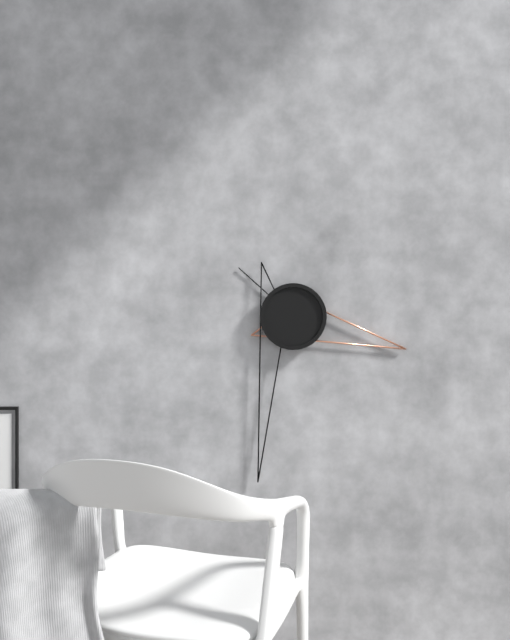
**3:32:52**
